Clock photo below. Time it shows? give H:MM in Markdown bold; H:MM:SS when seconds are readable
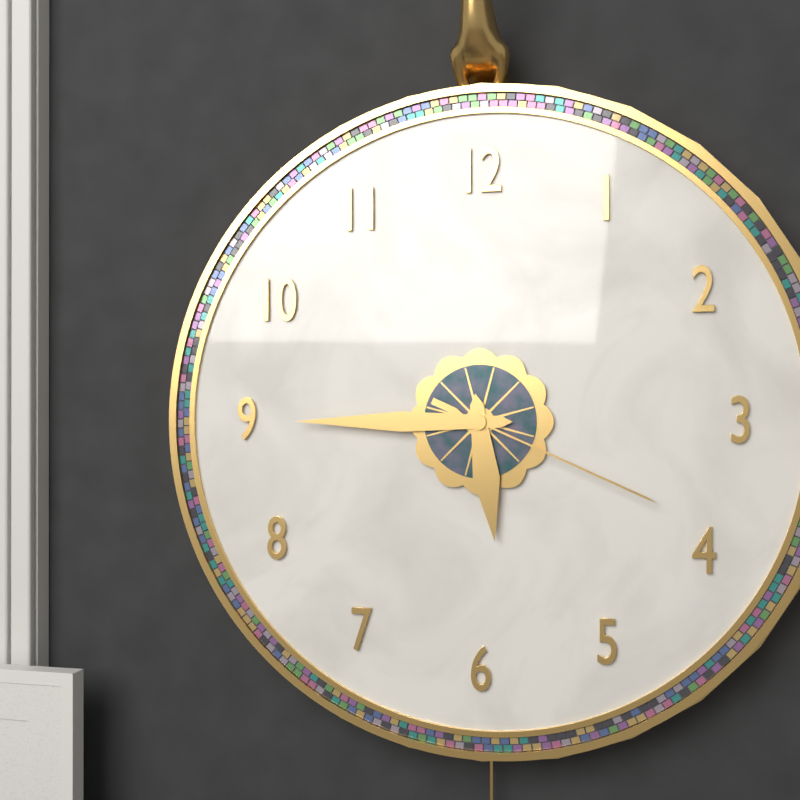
**5:45:19**
